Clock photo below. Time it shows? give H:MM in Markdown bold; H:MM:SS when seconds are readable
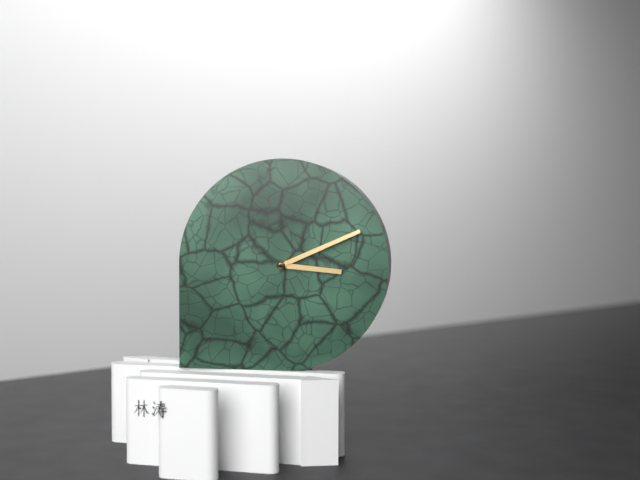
**3:11**
